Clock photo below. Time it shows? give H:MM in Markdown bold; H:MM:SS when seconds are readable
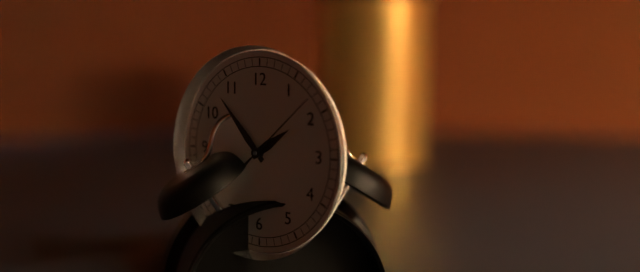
**1:53:08**
